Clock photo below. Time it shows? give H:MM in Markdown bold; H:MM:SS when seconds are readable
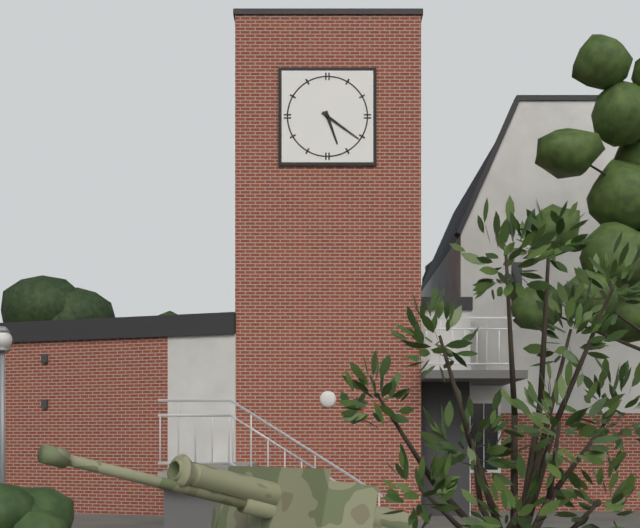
**5:21**
